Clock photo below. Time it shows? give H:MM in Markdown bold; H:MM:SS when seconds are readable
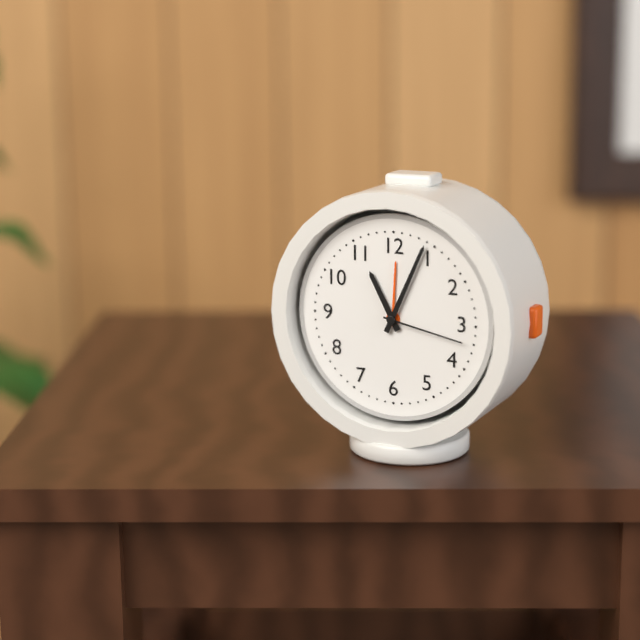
**11:04:17**
